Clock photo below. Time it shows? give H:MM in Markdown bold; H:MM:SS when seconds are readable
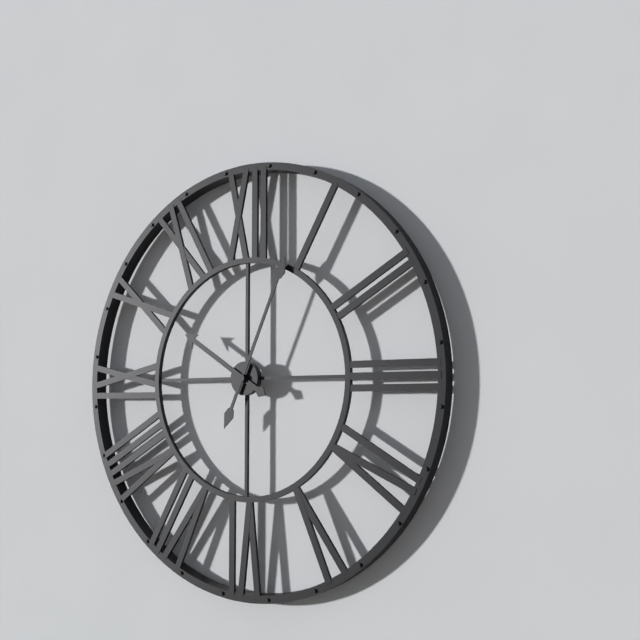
**10:04**
